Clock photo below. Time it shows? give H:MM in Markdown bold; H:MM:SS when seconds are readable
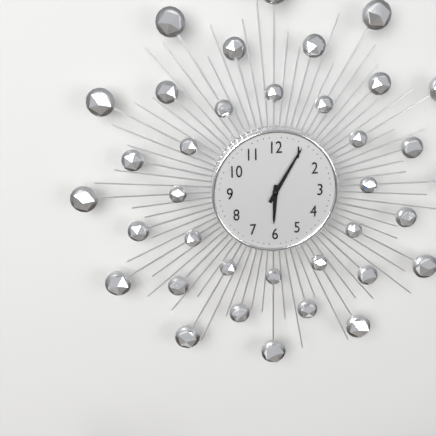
**6:05**
